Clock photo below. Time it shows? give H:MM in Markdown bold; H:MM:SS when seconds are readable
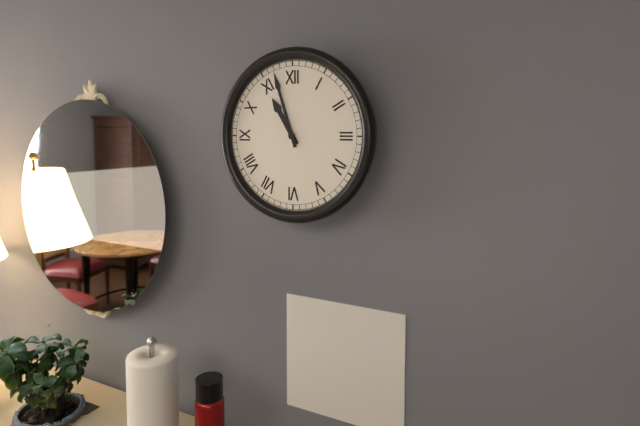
**10:57**
